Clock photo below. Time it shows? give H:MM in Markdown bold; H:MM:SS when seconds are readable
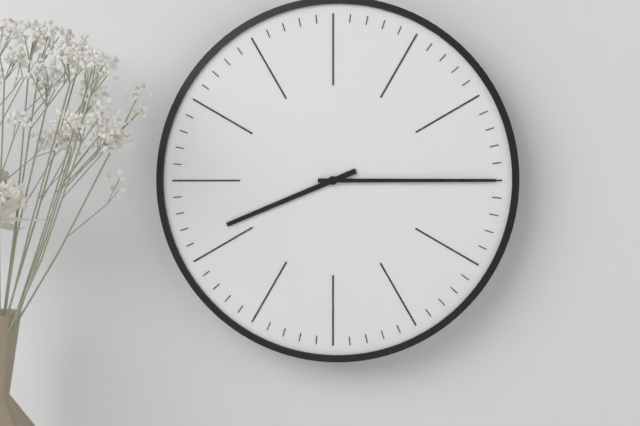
**8:15**
